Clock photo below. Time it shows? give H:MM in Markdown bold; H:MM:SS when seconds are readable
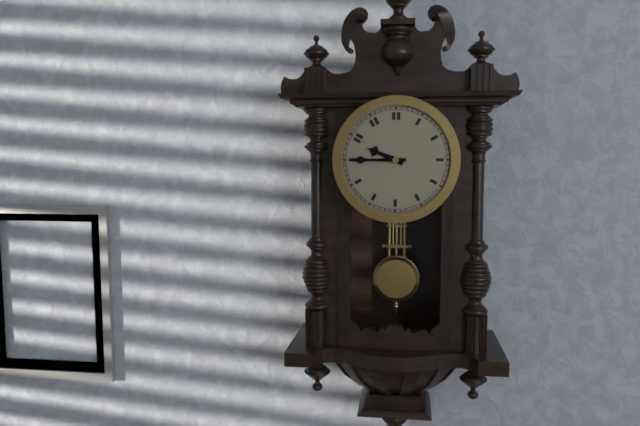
**9:45**
